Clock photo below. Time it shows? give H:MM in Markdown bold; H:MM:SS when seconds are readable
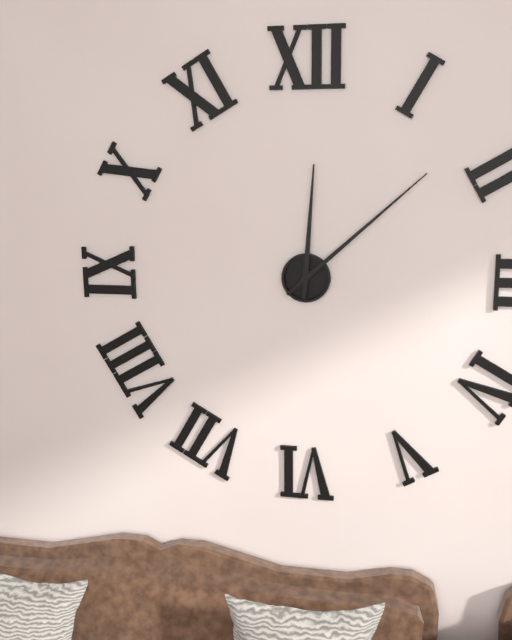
**12:08**
